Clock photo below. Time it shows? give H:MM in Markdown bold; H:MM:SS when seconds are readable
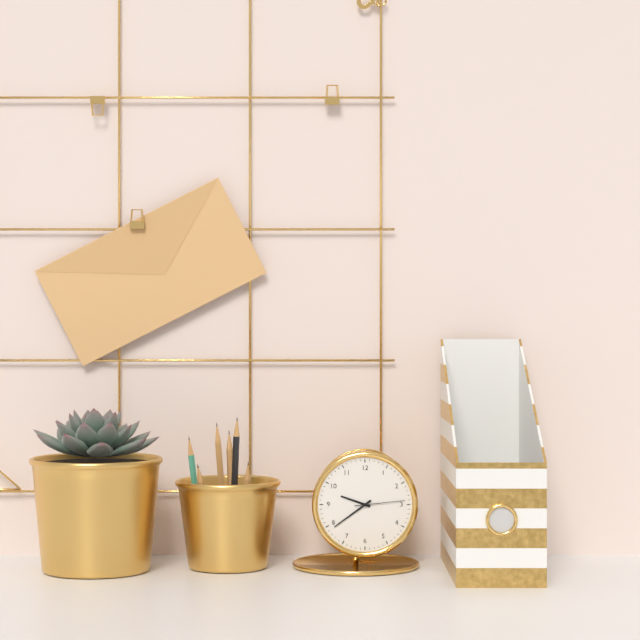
**9:39:14**
